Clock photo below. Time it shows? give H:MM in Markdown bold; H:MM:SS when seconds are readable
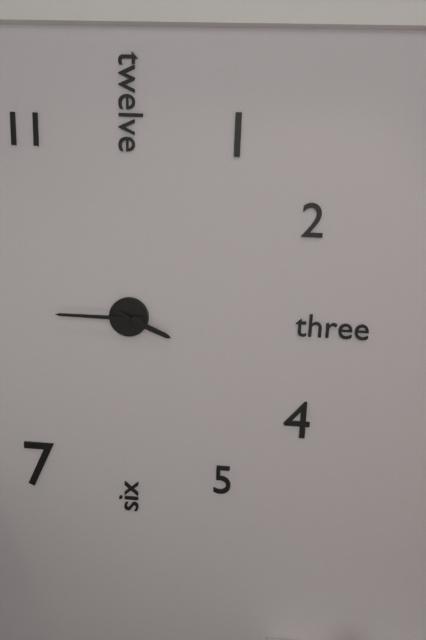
**3:45**
